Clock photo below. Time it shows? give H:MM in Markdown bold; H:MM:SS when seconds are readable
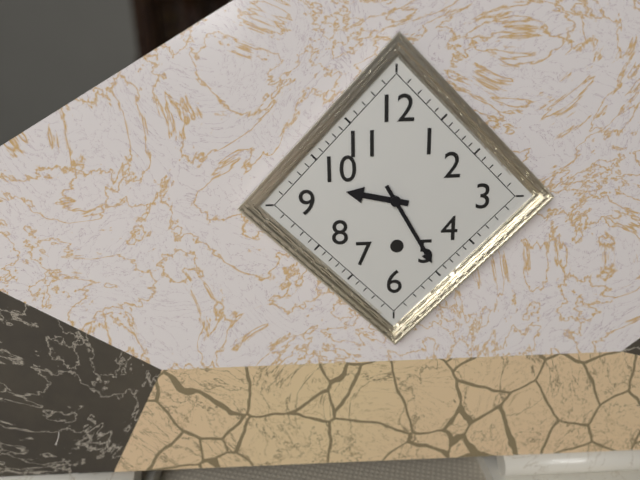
**9:25**
